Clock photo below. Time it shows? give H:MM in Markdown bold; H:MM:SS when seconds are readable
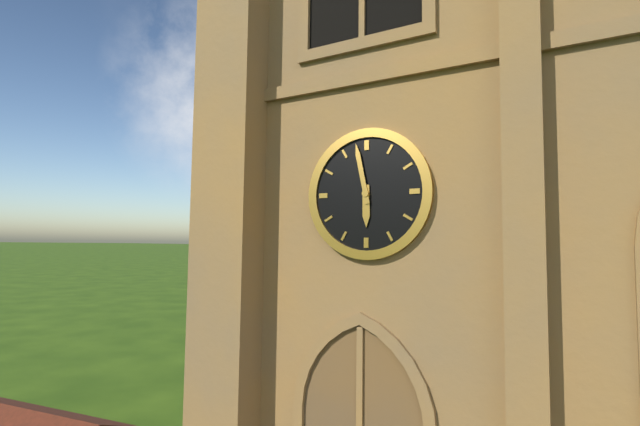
**5:58**
